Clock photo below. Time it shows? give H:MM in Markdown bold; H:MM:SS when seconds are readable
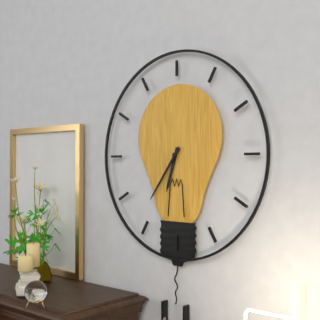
**6:36**
